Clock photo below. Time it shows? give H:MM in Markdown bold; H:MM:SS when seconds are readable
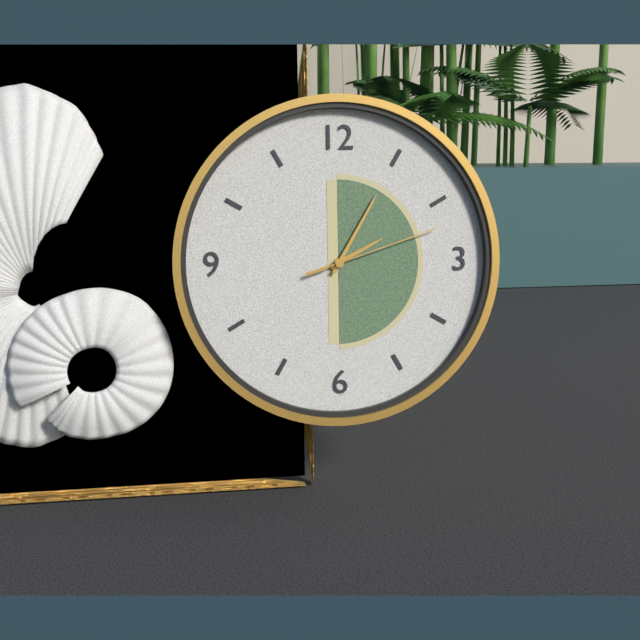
**2:05:12**
